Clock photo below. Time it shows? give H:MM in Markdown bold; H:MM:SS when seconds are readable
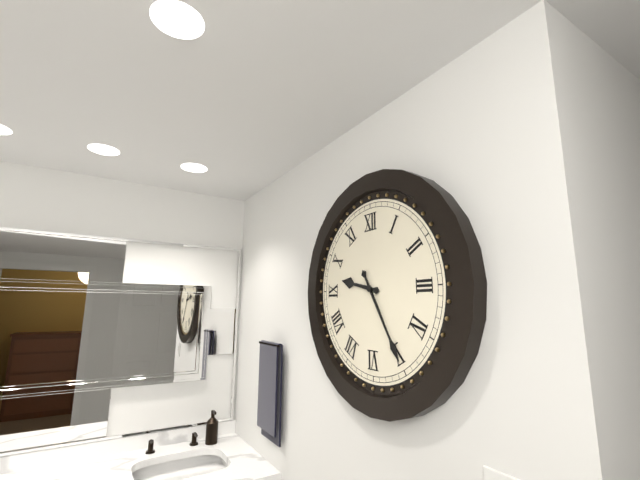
**9:25**
